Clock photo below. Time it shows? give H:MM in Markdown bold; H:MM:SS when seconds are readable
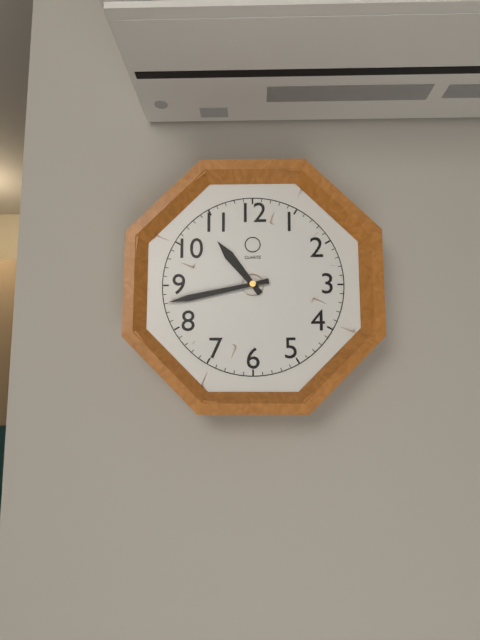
**10:43**
